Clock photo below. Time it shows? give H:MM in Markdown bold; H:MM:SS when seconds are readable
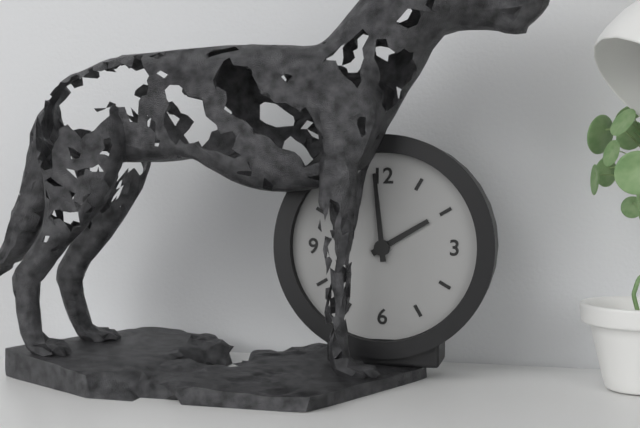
**1:59**
